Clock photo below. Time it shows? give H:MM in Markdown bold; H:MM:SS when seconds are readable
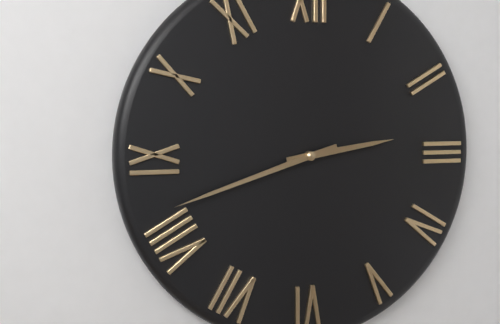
**2:42**
